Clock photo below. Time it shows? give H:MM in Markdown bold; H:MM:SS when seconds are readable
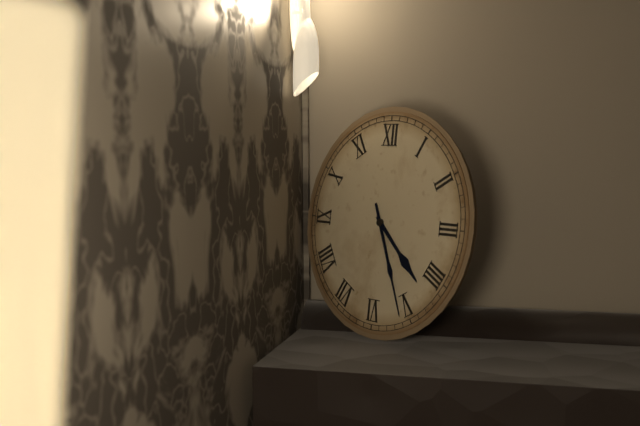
**4:26**
